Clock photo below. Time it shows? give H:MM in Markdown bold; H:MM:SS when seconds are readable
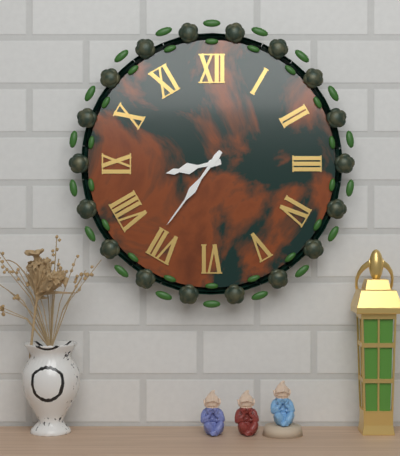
**8:36**
